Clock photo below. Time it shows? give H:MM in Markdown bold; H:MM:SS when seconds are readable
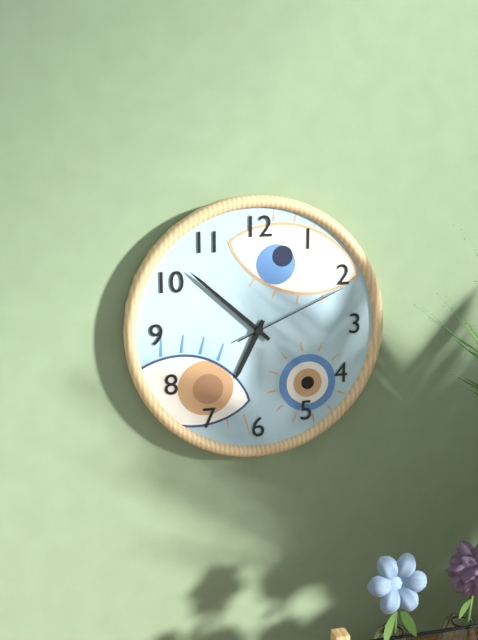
**6:52:11**
